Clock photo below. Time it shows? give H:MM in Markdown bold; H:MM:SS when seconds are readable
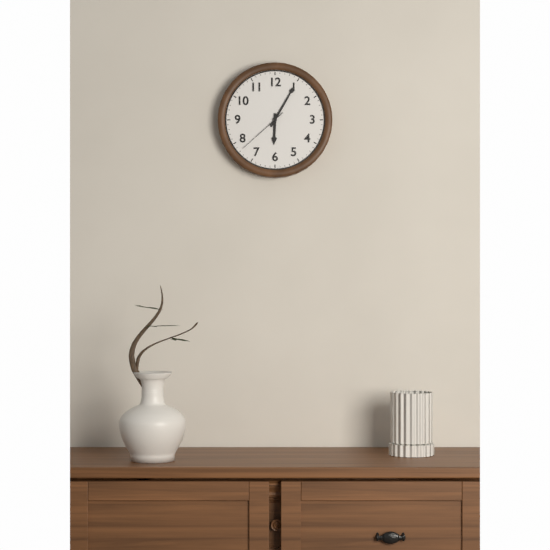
**6:05:38**
